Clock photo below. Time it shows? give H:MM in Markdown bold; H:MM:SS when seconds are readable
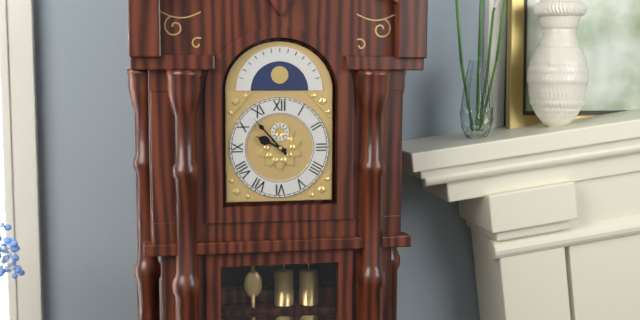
**9:53**
